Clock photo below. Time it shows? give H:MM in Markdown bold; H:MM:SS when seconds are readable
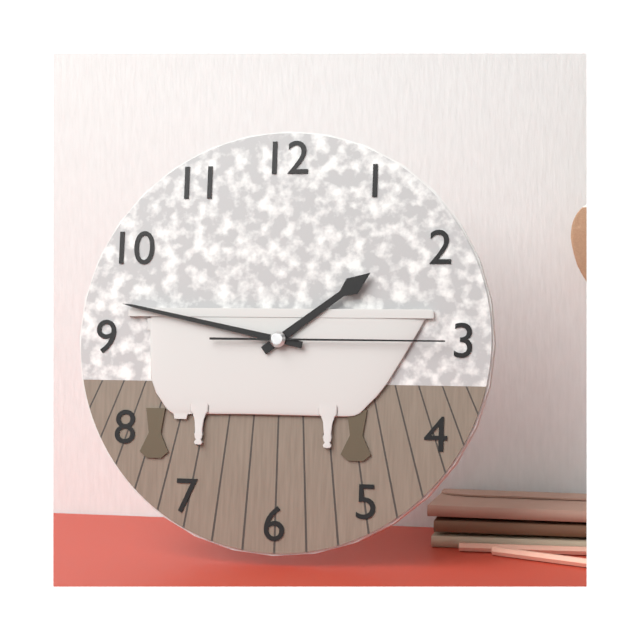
**1:47:15**
